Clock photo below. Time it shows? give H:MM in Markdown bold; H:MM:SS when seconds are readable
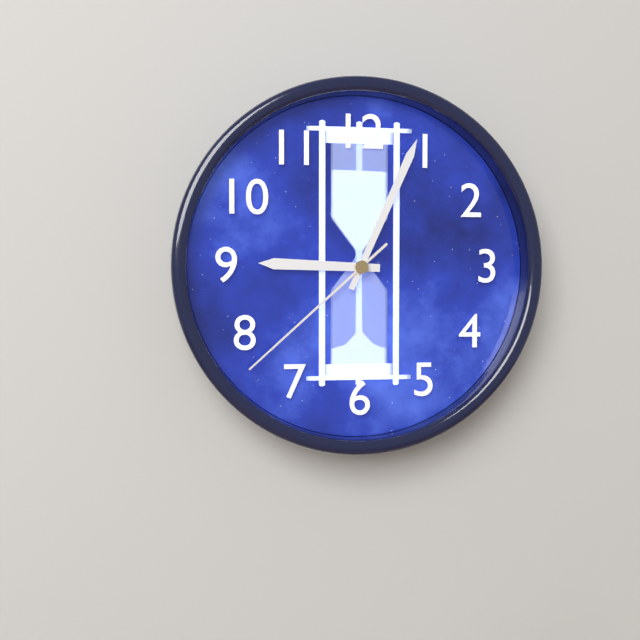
**9:04:38**
